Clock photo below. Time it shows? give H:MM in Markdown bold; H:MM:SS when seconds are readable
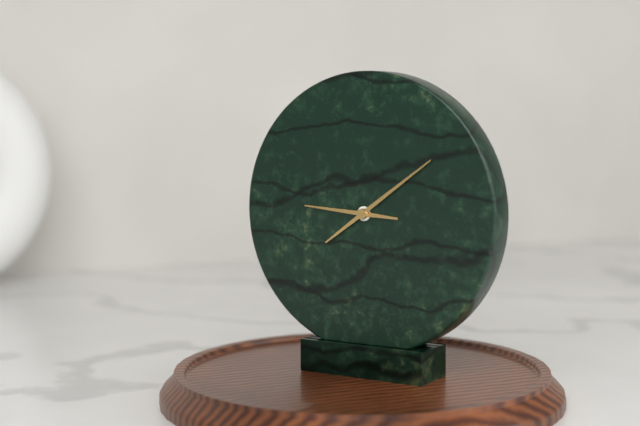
**9:09**
